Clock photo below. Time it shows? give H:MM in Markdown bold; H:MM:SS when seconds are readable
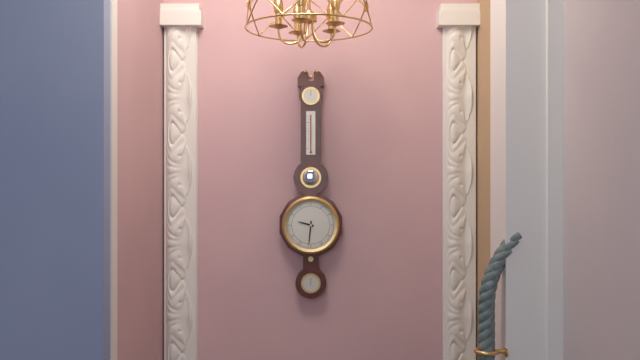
**9:31**
